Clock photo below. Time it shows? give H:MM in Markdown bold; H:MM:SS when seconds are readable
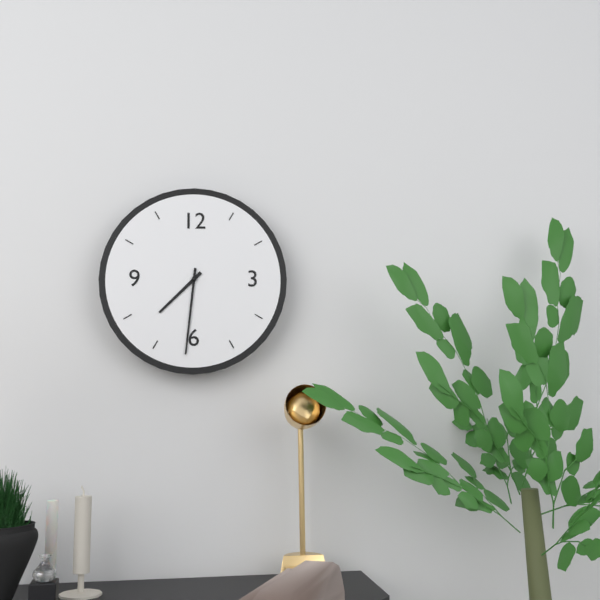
**7:31**
